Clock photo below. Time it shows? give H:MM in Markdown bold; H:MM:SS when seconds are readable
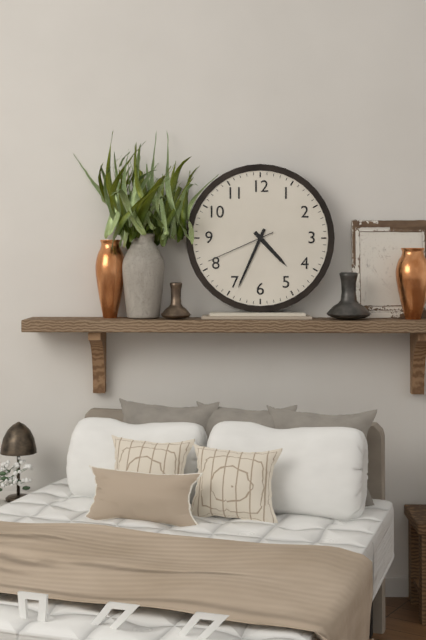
**4:34:41**
